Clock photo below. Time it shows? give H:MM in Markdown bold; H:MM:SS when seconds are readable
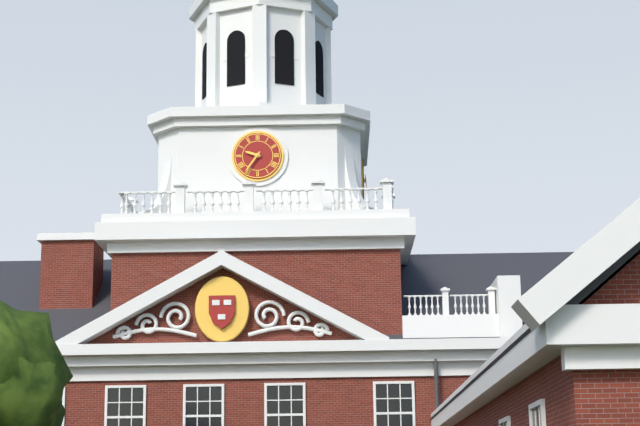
**9:36**
